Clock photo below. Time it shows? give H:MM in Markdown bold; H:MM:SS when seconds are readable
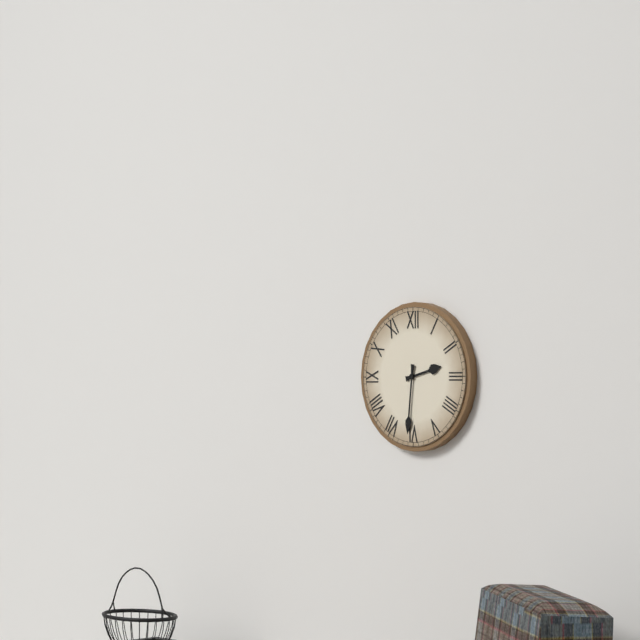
**2:31**
